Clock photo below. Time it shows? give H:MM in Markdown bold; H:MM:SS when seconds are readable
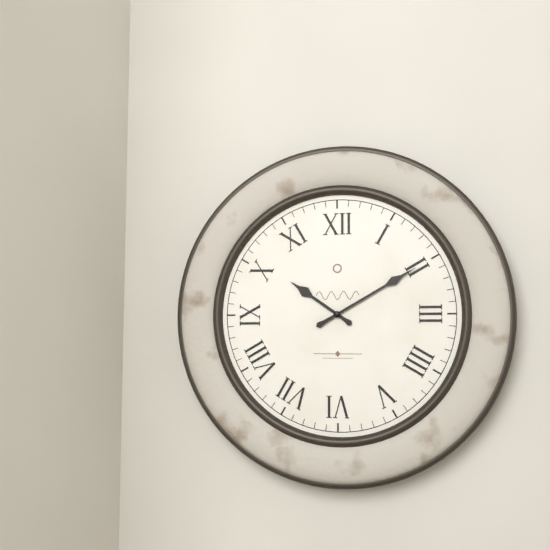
**10:10**
